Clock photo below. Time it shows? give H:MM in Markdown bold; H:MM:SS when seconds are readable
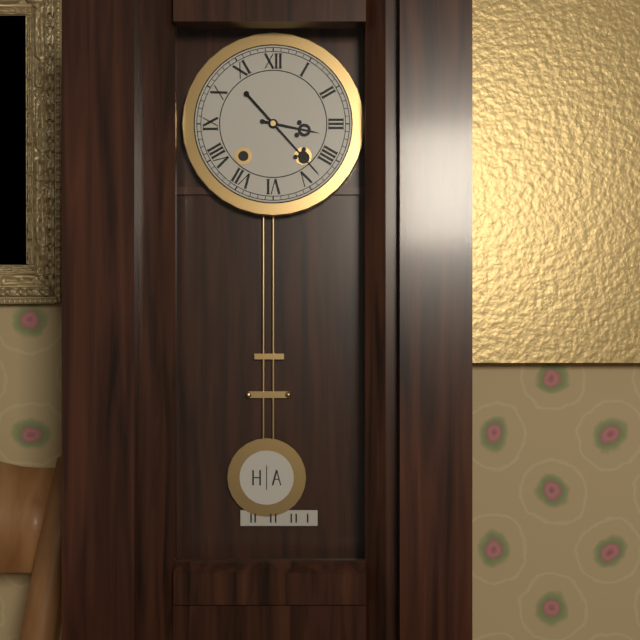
**3:23**
